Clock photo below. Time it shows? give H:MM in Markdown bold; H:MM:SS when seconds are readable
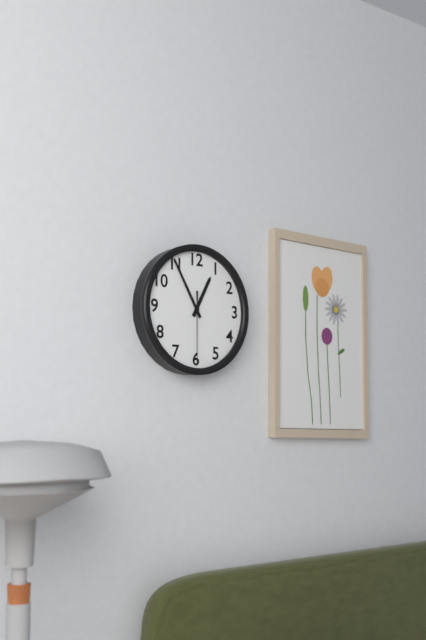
**12:55:30**
